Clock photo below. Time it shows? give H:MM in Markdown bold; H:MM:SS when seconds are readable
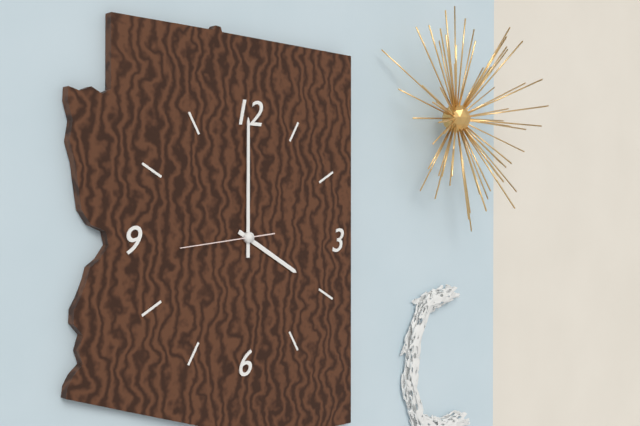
**4:00:44**
